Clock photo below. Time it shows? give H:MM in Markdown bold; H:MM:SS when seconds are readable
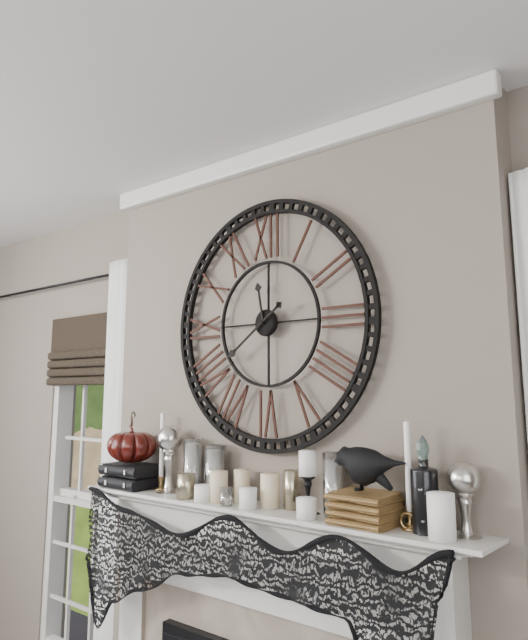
**11:39**
